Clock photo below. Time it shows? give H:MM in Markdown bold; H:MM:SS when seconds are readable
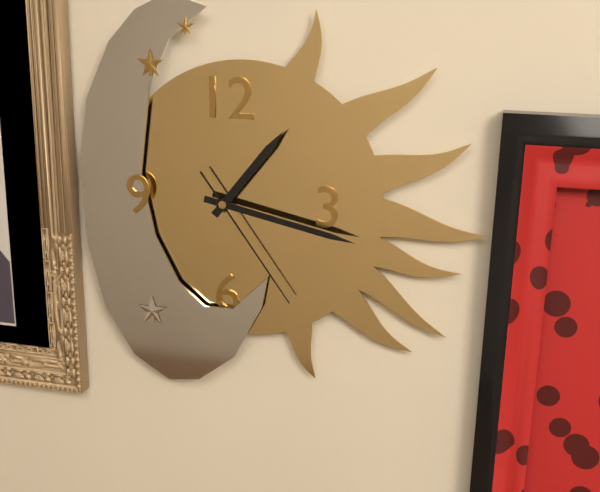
**1:17:24**
